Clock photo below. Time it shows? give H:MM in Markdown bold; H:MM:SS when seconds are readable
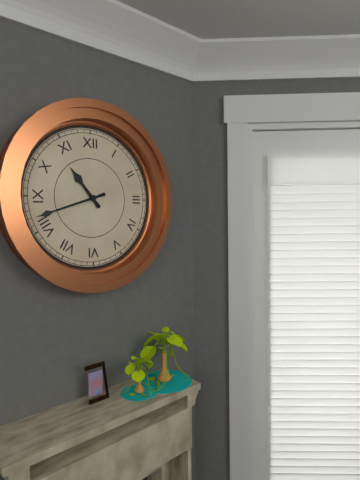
**10:42**
